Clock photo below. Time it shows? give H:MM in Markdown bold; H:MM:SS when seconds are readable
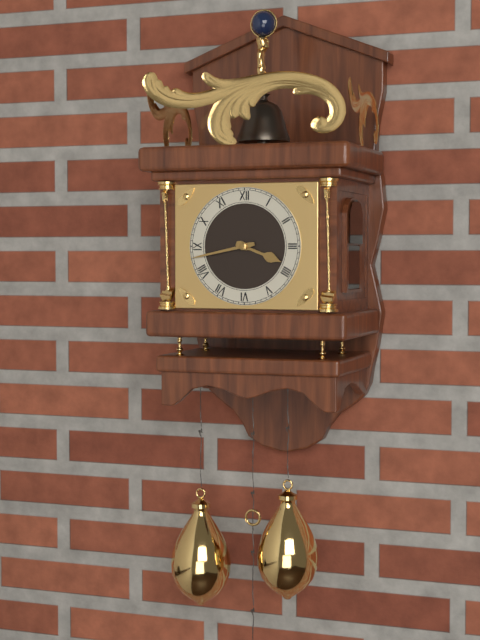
**3:43**
